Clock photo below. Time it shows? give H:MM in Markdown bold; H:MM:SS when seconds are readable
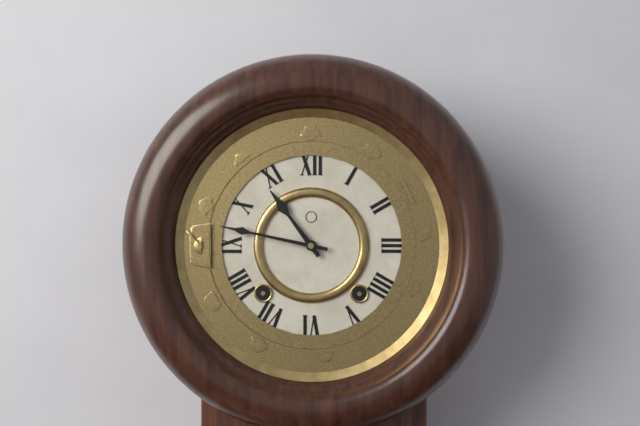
**10:47**
